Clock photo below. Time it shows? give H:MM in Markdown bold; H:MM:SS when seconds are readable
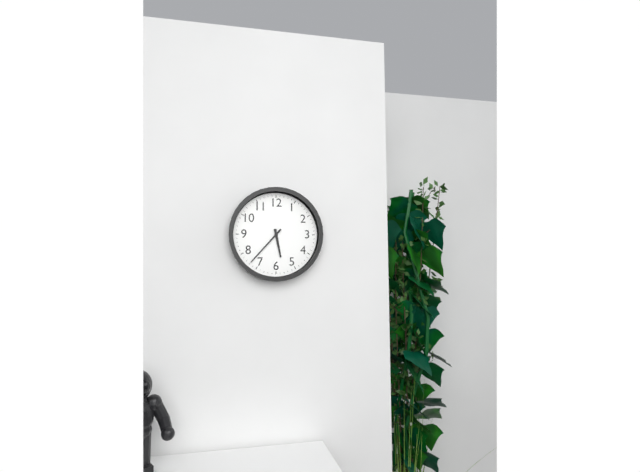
**5:37**
